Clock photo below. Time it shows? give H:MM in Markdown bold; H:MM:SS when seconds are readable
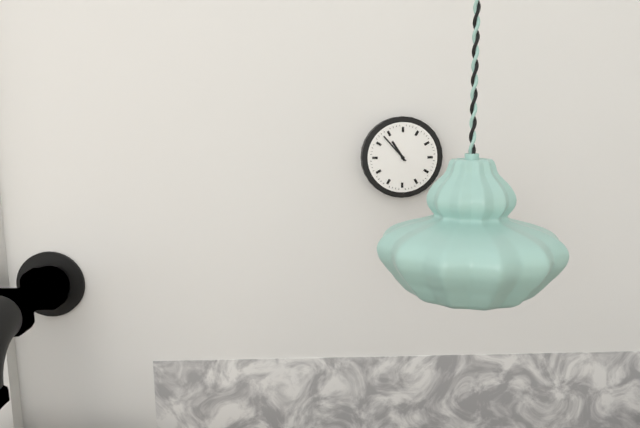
**10:53**
